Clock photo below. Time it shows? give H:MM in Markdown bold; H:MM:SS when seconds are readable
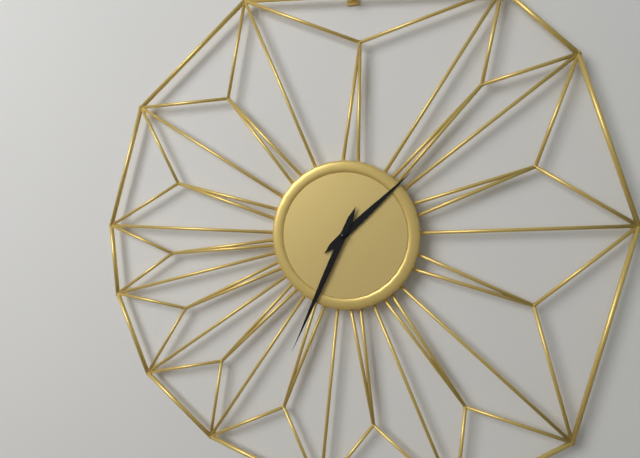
**1:34**
